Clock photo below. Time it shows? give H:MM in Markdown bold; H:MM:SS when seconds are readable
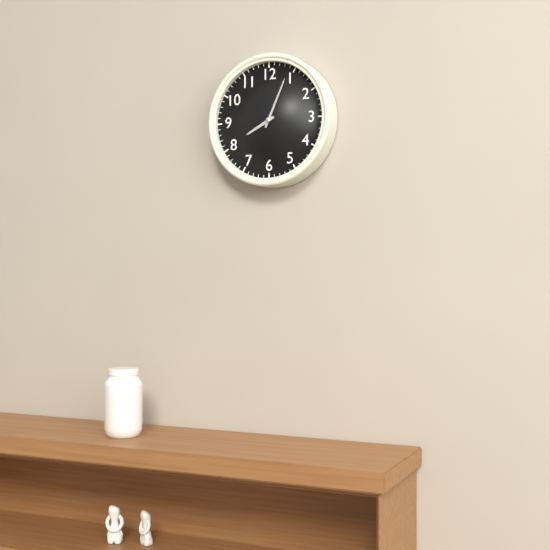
**8:04**
